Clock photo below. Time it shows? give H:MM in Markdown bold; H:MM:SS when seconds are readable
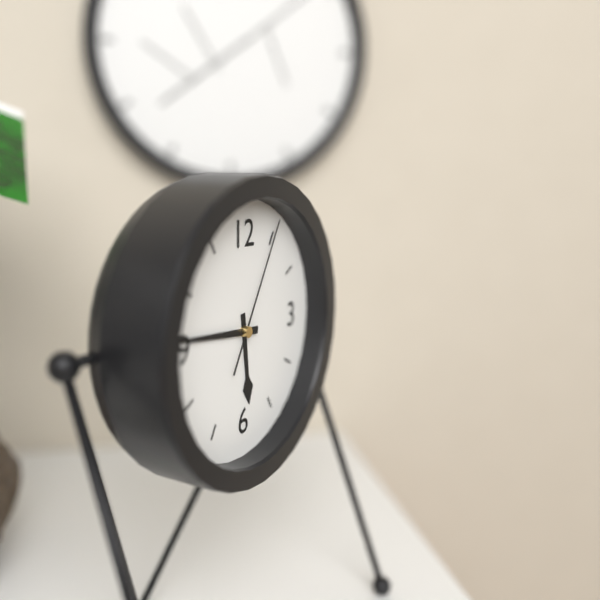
**5:46:05**
